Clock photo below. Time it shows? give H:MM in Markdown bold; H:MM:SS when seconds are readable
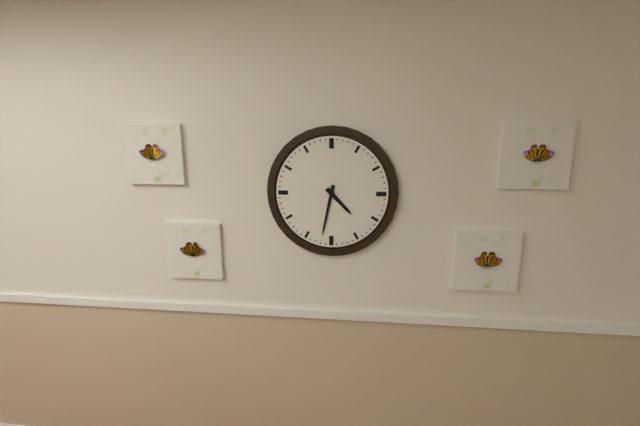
**4:32**
